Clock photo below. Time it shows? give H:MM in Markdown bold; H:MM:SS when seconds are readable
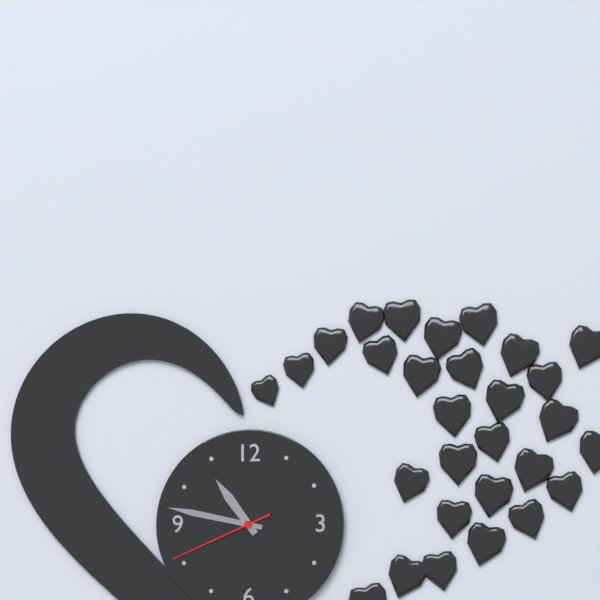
**10:47:41**
